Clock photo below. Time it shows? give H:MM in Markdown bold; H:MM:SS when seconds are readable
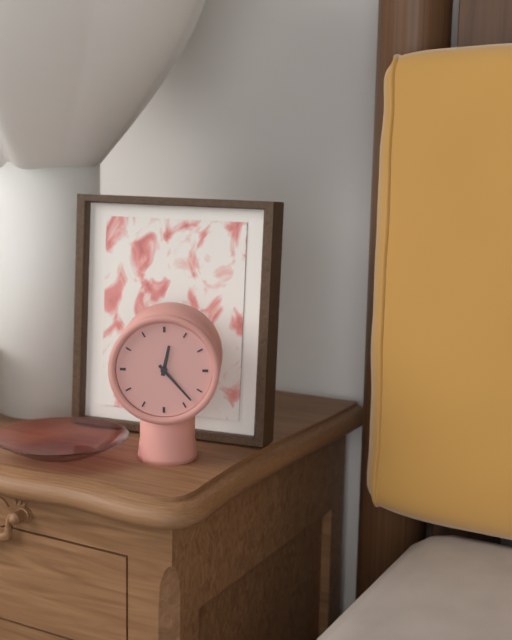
**12:23**
